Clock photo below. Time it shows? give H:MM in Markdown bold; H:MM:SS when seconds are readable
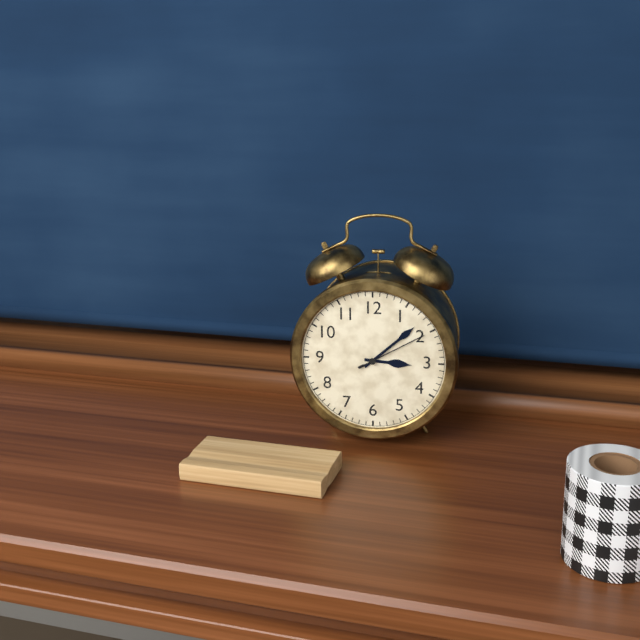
**3:08:10**
